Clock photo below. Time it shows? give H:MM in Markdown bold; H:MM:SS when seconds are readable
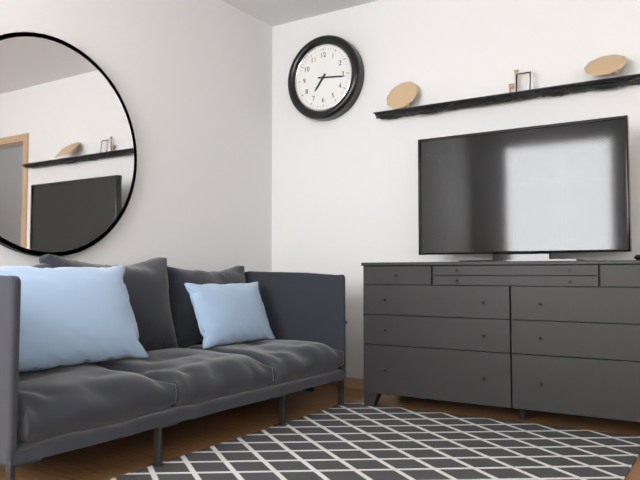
**7:16**
